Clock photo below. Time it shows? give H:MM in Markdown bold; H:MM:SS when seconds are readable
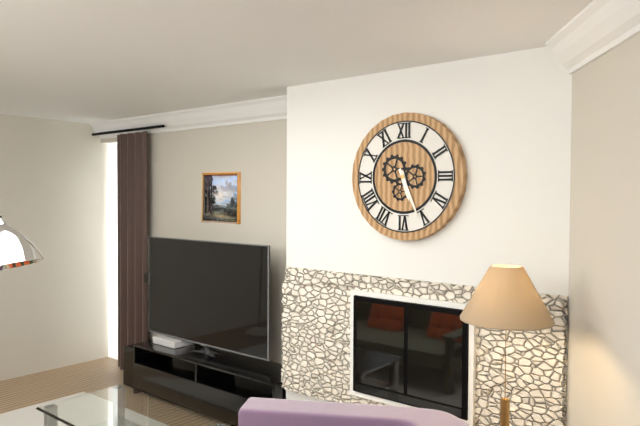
**5:26**
